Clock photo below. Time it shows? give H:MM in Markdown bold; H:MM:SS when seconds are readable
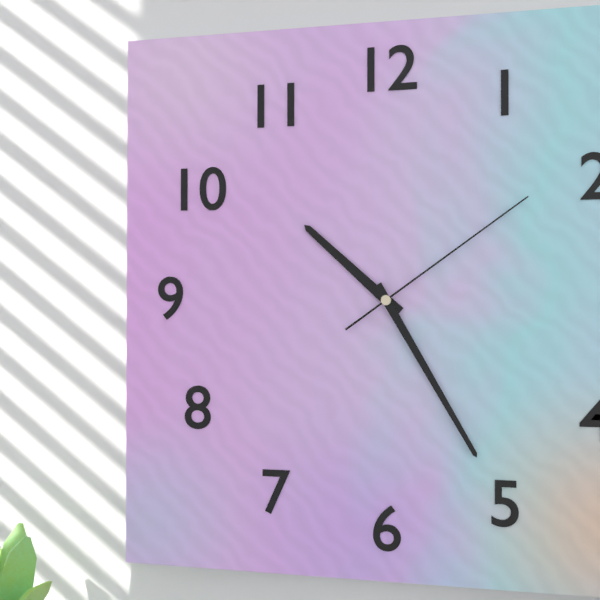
**10:25:09**
